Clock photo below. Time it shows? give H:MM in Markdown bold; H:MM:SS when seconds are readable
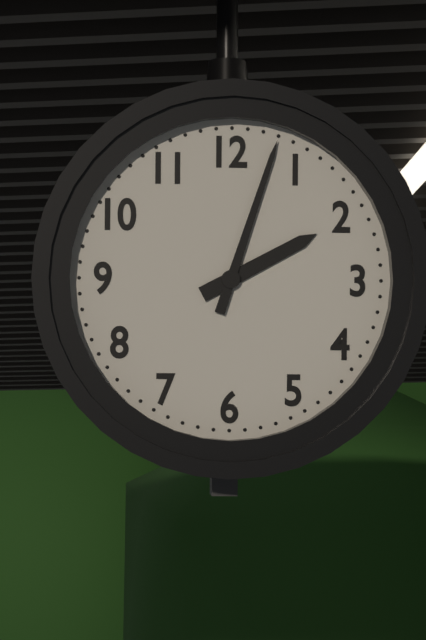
**2:03**
